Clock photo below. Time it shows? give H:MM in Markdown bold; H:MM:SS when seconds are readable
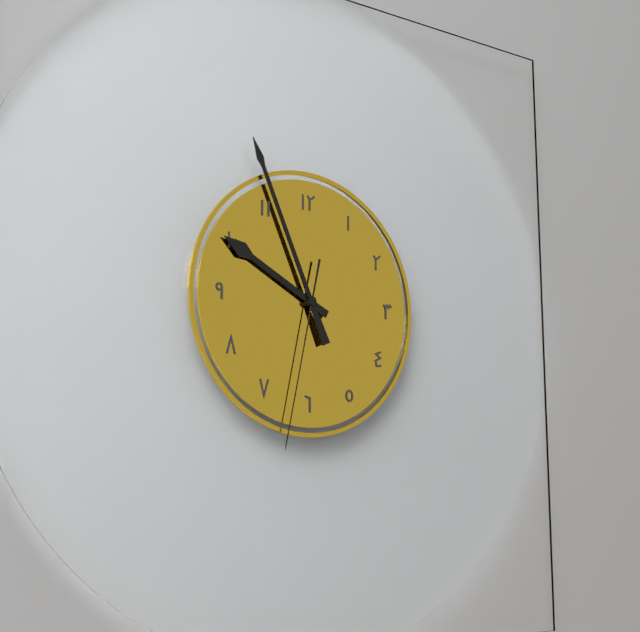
**9:56:32**
